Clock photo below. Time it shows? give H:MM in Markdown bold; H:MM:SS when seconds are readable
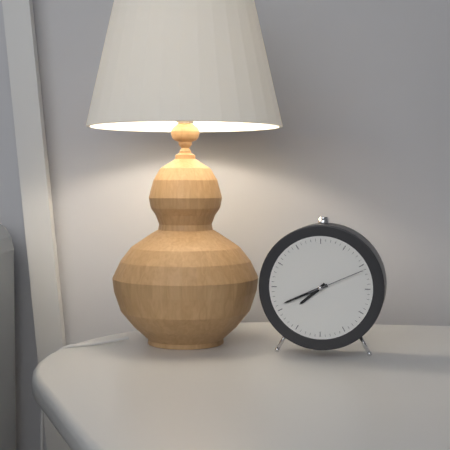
**7:41:11**
